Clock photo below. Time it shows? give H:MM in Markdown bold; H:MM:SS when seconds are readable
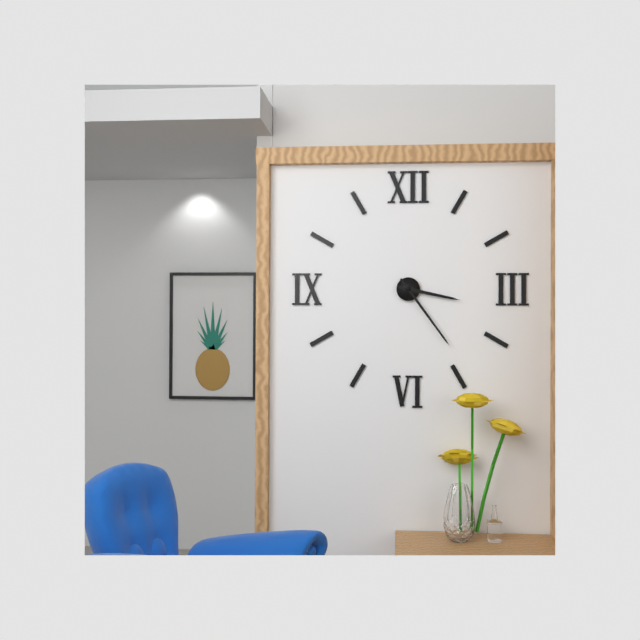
**3:24**
